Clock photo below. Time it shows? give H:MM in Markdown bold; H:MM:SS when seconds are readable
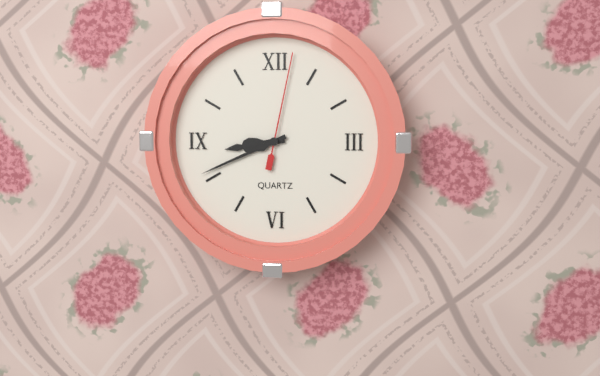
**8:41:02**
